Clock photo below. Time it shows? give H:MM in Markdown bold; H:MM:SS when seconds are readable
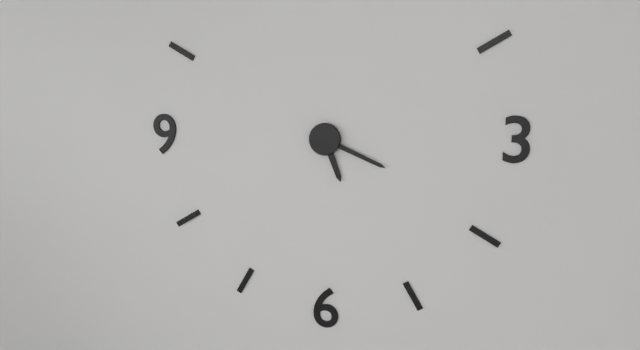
**5:19**
